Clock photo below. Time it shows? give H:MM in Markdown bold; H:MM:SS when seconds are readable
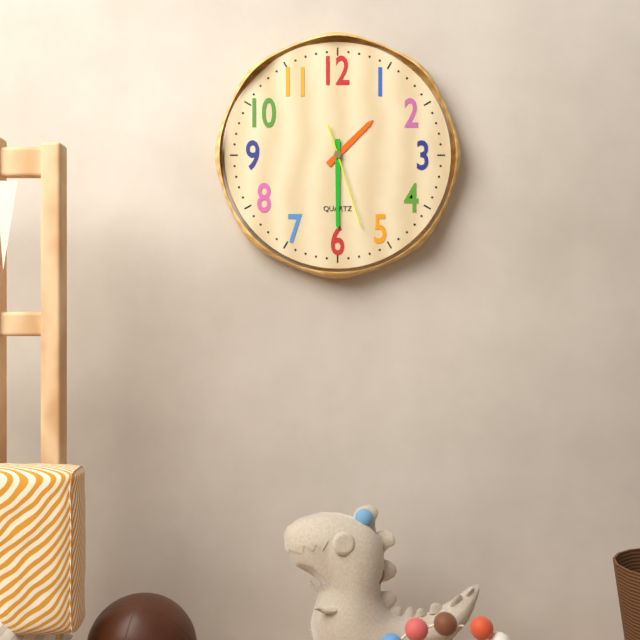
**1:30:27**
